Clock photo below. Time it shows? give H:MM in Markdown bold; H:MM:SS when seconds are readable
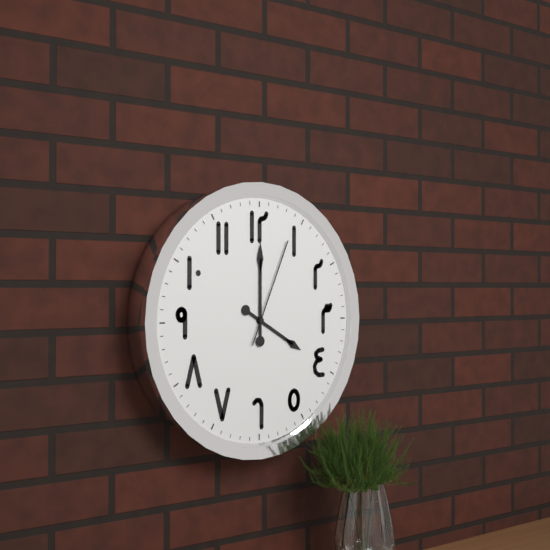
**4:00:04**
